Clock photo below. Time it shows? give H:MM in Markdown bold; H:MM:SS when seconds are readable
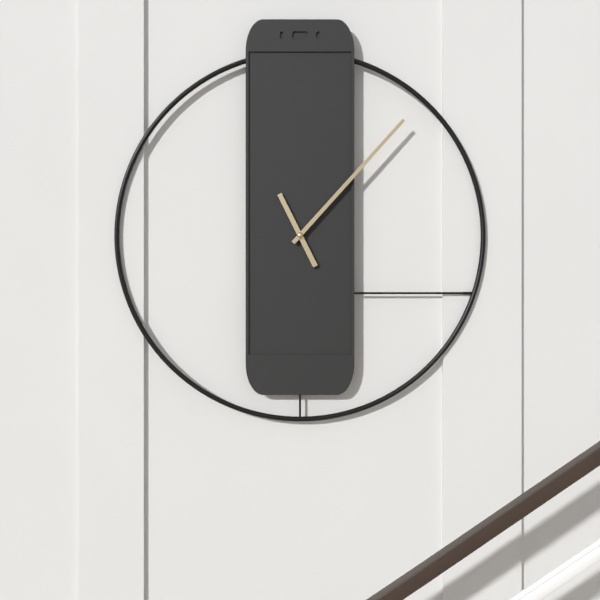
**11:07**
